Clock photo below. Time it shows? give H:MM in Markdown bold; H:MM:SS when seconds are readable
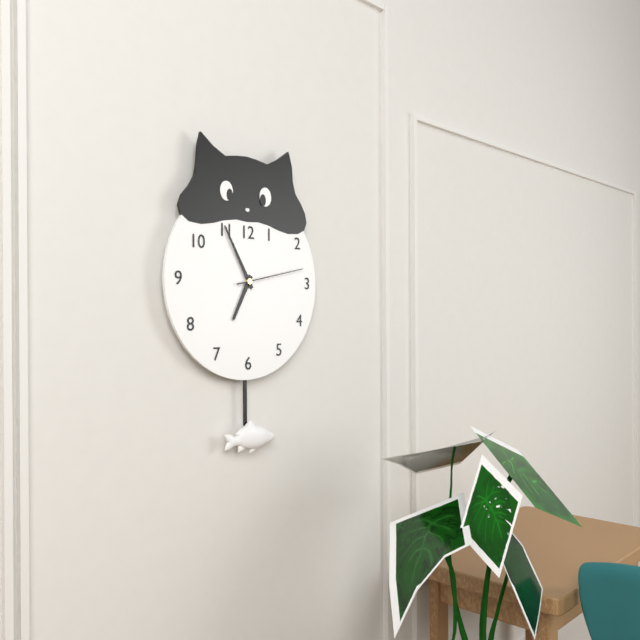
**6:55:13**
